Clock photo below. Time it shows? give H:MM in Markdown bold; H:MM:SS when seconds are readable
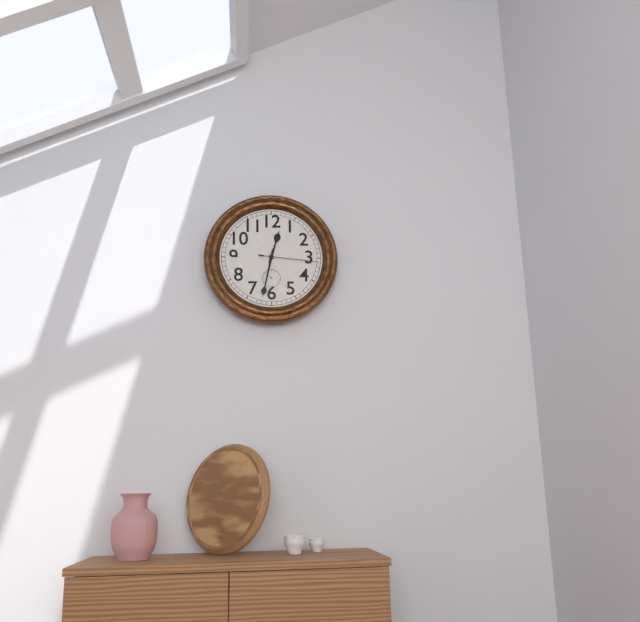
**12:32:16**
